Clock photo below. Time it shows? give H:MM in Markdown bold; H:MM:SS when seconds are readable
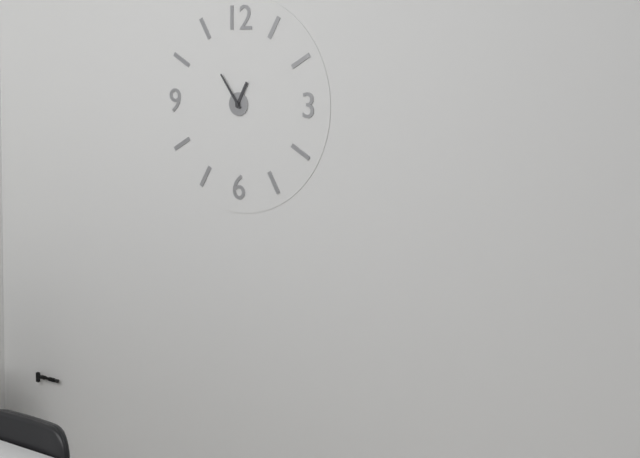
**12:54**
